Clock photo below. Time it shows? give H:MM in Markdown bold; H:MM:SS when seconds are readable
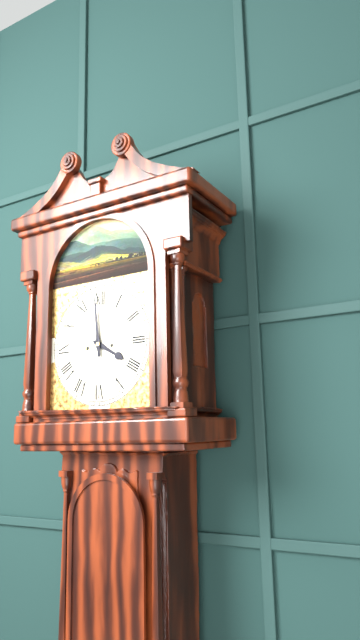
**3:59**
